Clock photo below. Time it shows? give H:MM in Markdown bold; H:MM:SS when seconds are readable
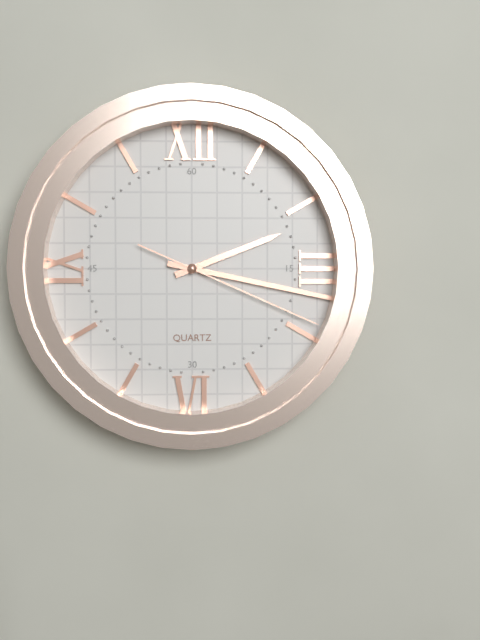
**2:17:19**
